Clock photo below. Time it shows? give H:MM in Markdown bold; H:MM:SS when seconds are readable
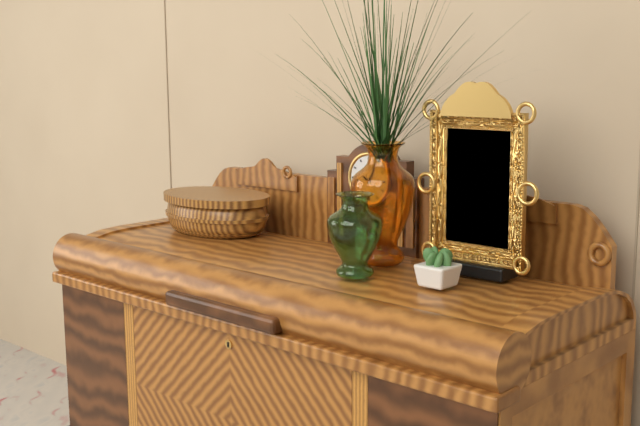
**10:04**
